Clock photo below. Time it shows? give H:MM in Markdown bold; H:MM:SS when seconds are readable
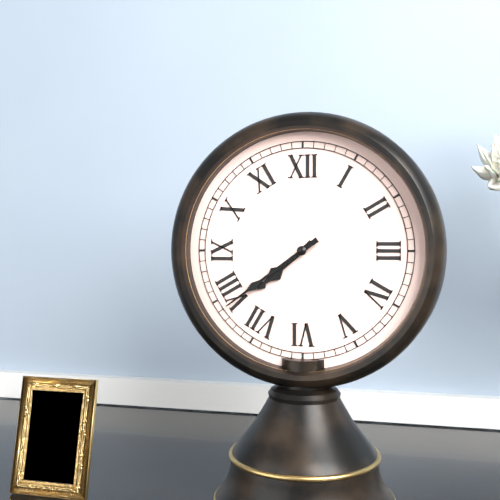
**7:39**
